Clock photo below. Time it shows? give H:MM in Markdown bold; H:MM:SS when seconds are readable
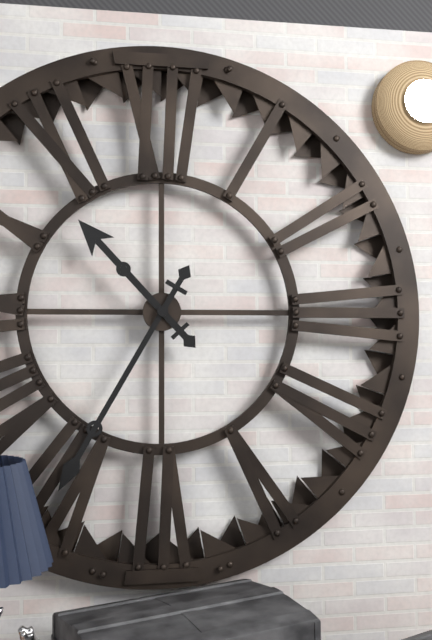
**10:35**
